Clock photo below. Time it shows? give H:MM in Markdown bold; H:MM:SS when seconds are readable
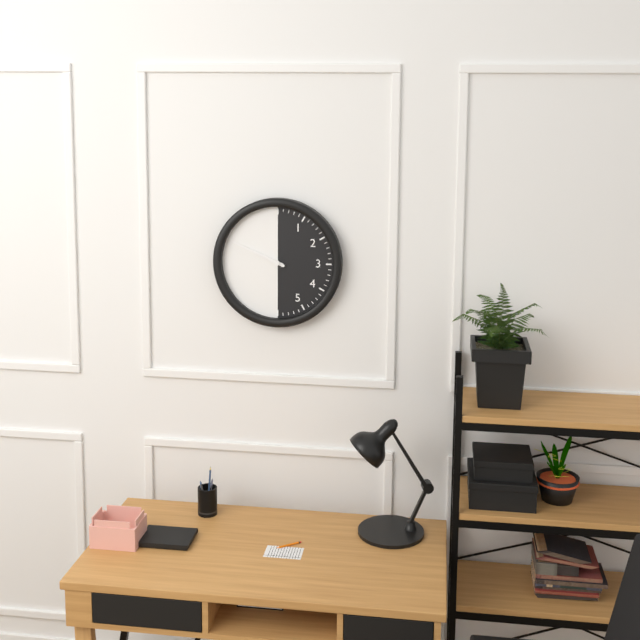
**9:49**
